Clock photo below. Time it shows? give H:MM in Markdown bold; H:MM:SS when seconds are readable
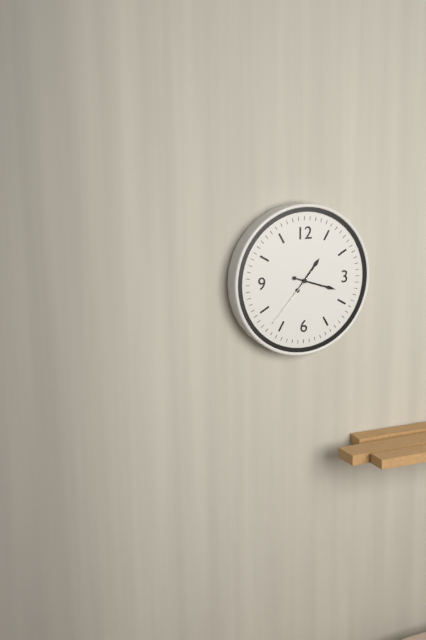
**1:18:37**
